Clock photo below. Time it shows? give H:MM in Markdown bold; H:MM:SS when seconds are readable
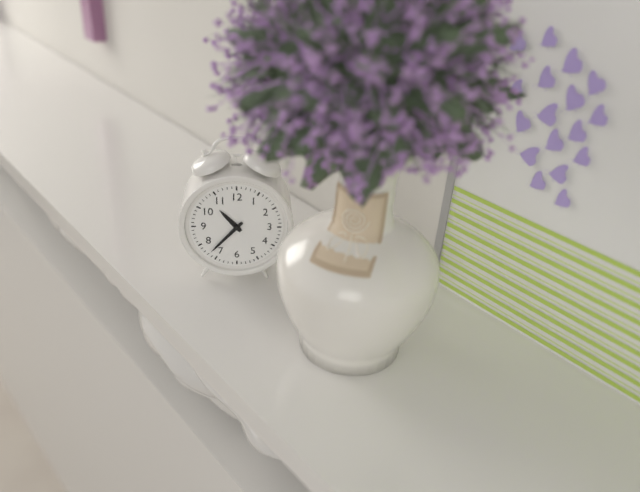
**10:37**
